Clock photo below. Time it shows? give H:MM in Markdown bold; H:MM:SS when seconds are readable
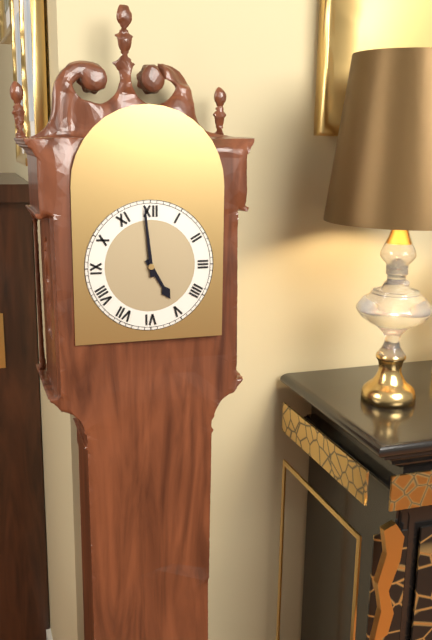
**4:59**
